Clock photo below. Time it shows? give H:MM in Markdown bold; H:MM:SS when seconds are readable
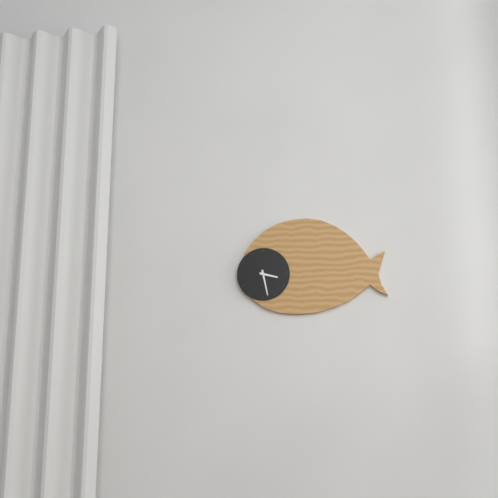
**3:28**
